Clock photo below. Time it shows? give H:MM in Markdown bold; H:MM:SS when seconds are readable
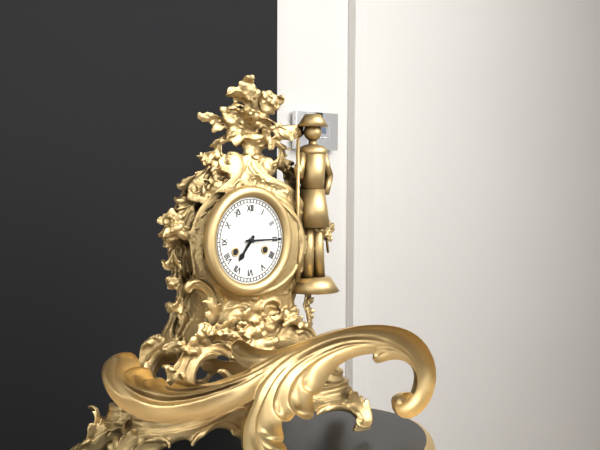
**7:15**
